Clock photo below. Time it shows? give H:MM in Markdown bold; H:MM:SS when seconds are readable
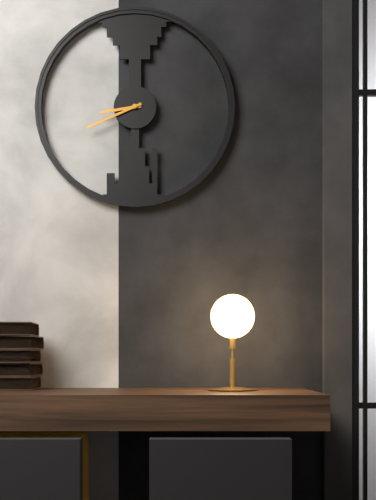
**8:41**
